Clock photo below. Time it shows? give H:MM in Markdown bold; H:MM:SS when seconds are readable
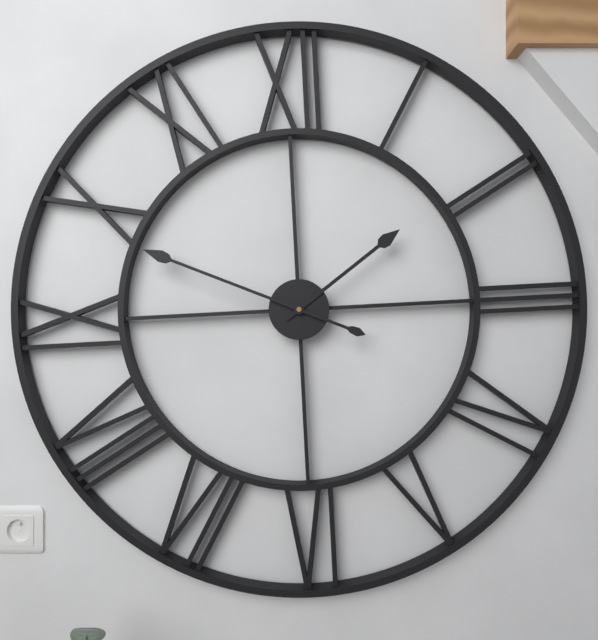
**1:49**
